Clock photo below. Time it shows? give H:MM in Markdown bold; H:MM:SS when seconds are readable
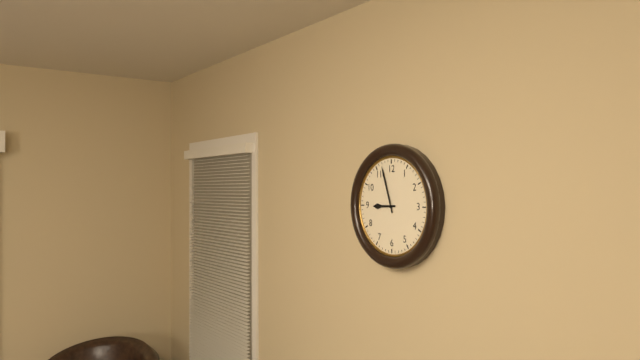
**8:57**
